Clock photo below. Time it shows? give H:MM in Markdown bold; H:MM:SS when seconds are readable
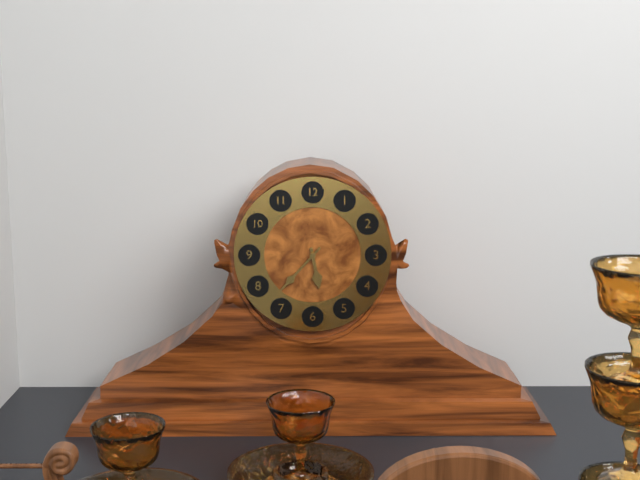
**5:37**
